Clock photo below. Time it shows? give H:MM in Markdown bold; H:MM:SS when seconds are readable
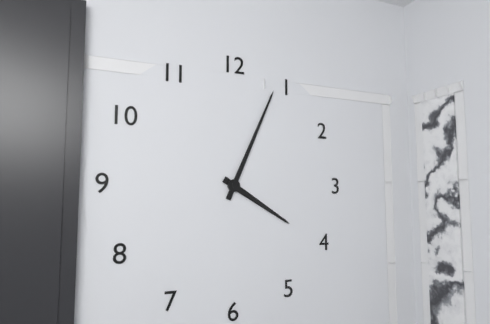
**4:04**
